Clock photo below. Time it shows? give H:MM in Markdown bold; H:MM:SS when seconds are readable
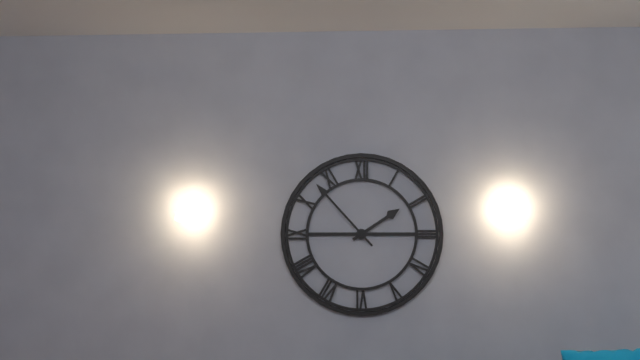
**1:53**
